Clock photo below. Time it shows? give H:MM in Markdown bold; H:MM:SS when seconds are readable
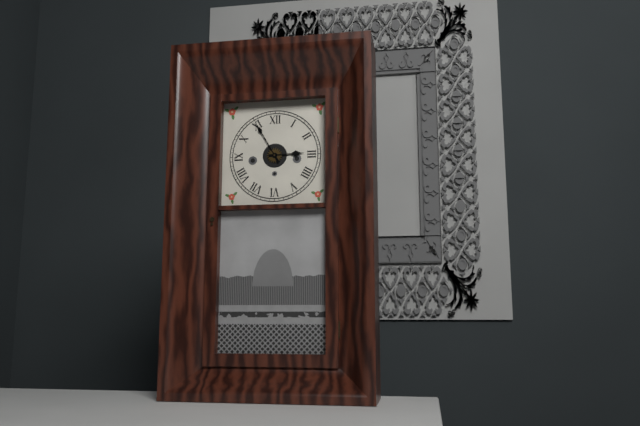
**2:55**
